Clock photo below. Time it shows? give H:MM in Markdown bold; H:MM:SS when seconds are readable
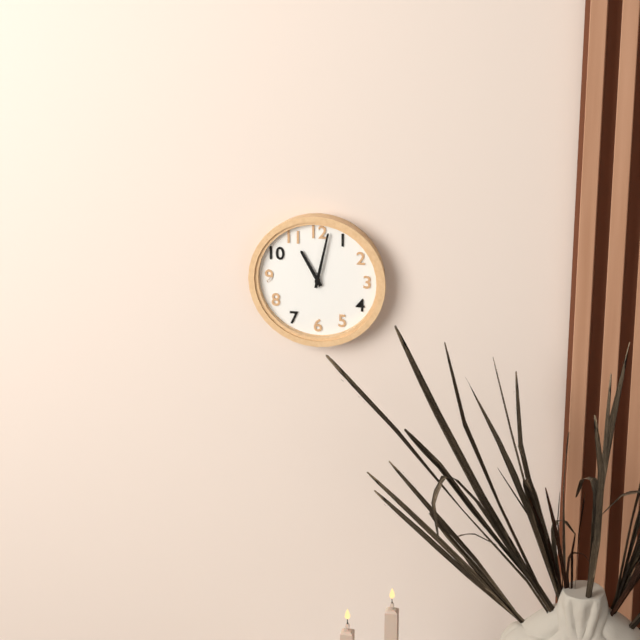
**11:02**
